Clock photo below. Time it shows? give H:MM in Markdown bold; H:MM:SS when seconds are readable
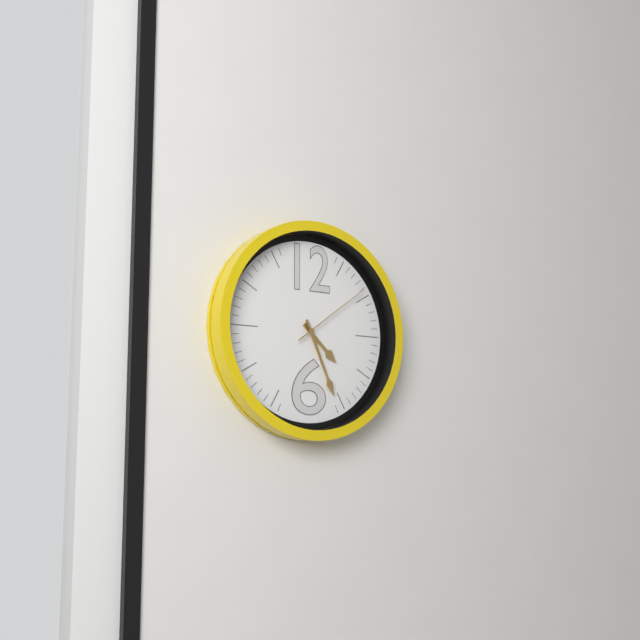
**4:26:09**
